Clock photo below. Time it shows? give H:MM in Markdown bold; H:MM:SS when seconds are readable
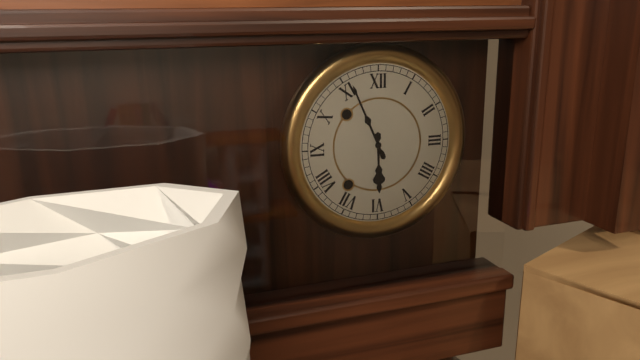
**5:56**
